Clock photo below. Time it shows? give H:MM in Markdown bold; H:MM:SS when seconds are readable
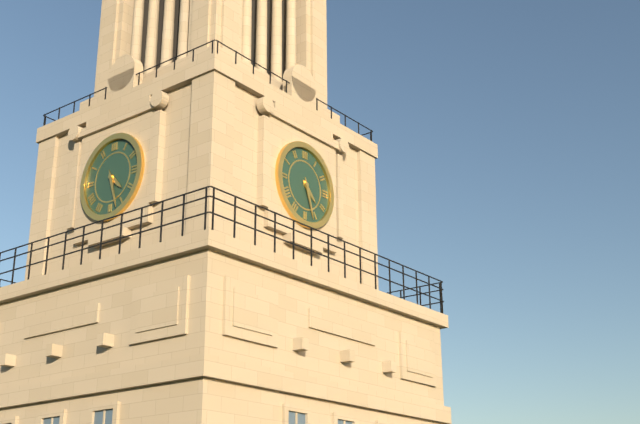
**4:27**
